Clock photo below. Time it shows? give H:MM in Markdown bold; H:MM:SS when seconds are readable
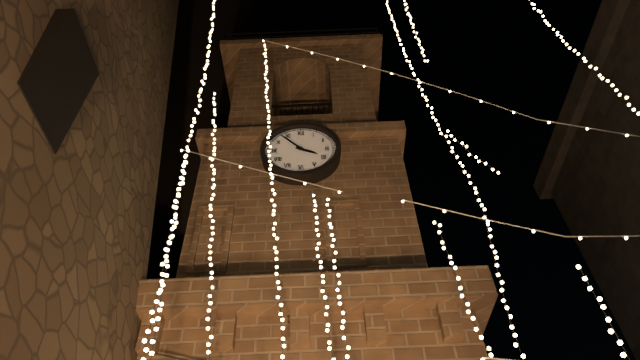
**3:53**
